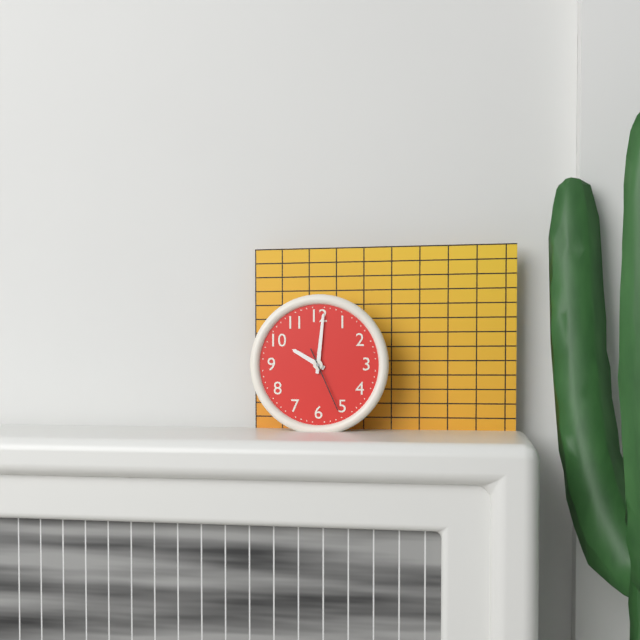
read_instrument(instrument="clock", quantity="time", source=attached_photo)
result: 10:01:26
